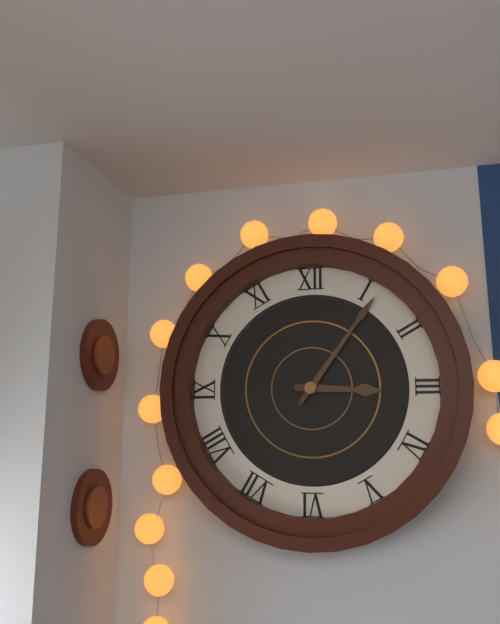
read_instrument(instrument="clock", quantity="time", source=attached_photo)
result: 3:06
